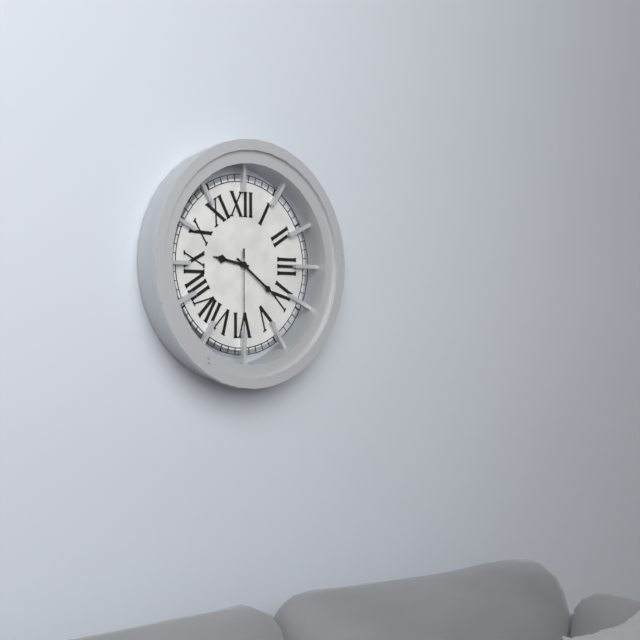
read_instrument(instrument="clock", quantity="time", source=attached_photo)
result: 9:21:30
